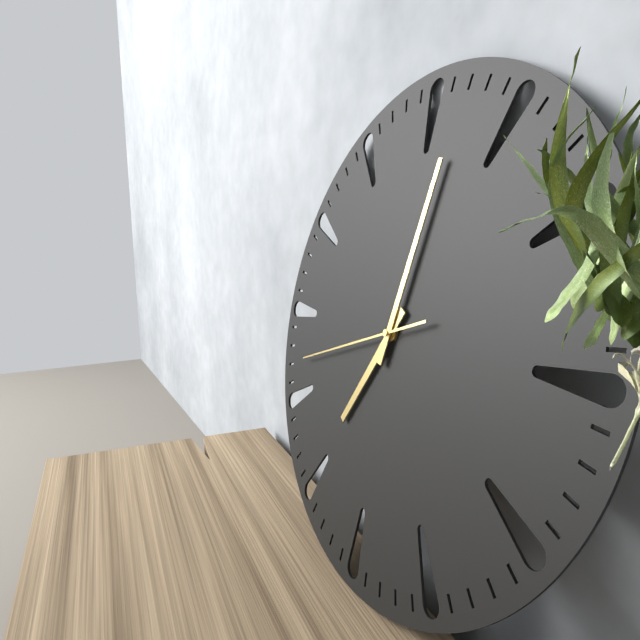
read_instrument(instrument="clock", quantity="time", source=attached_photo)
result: 7:02:42
